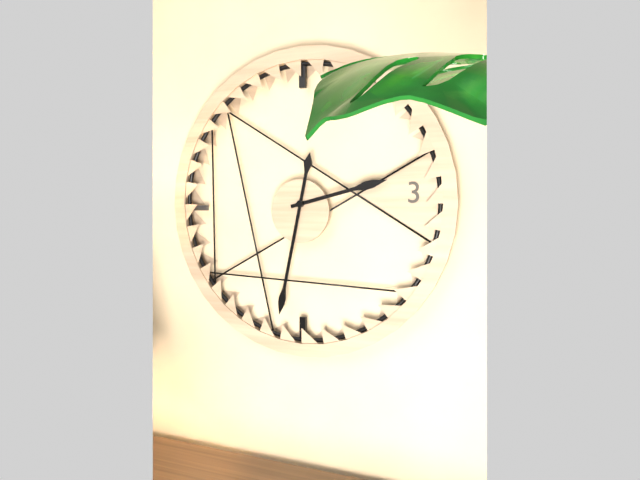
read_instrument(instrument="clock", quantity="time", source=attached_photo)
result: 2:32
